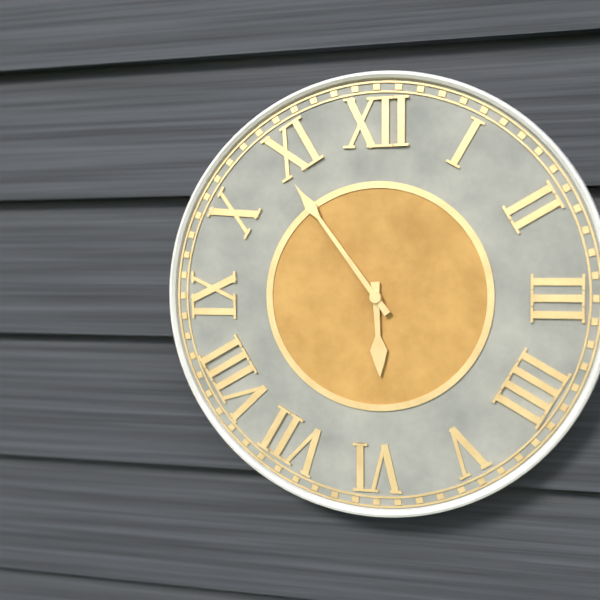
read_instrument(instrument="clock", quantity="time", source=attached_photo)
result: 5:54
